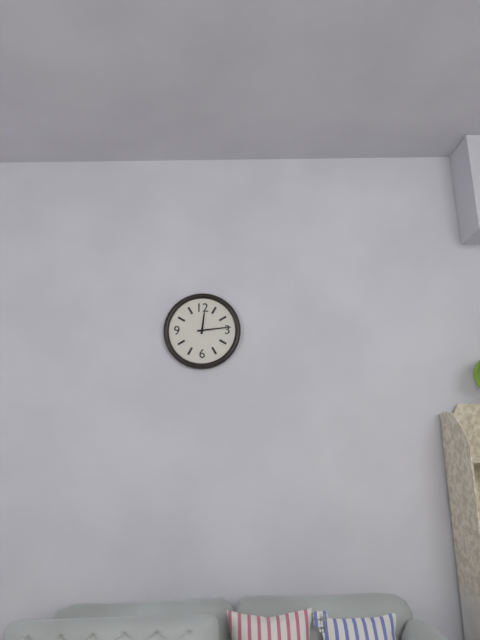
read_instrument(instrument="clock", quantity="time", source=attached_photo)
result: 12:14
